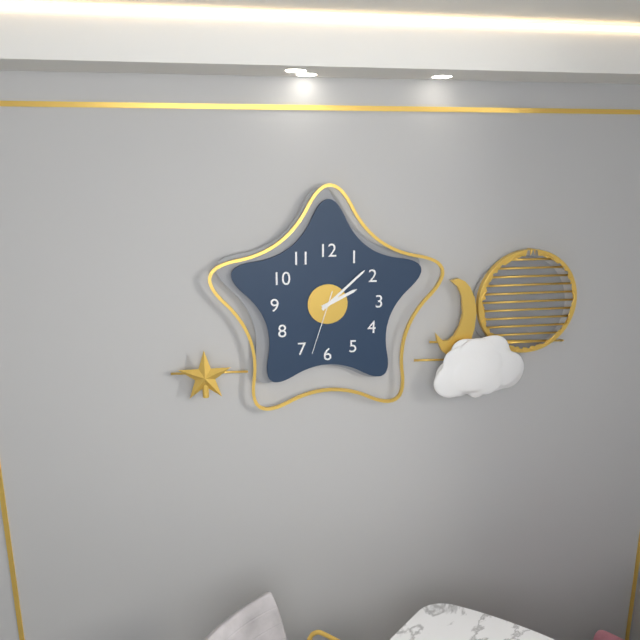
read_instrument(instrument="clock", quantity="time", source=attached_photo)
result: 2:08:33
